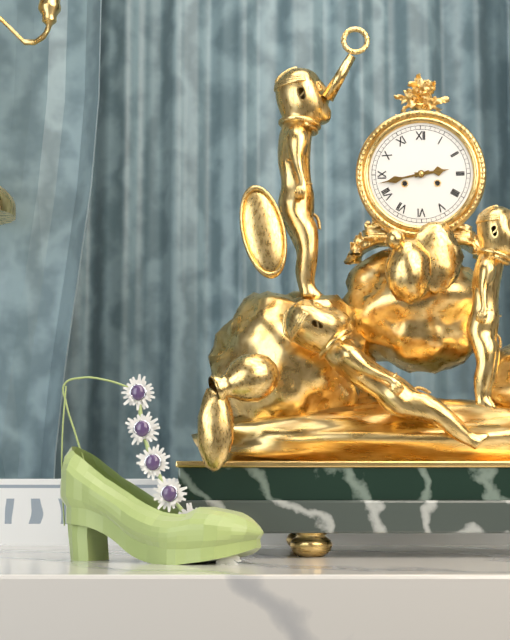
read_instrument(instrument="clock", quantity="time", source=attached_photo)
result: 2:43
